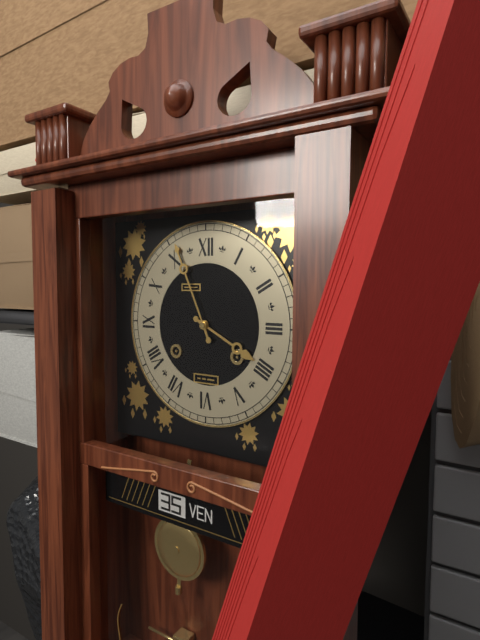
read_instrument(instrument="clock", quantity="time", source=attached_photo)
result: 3:56
